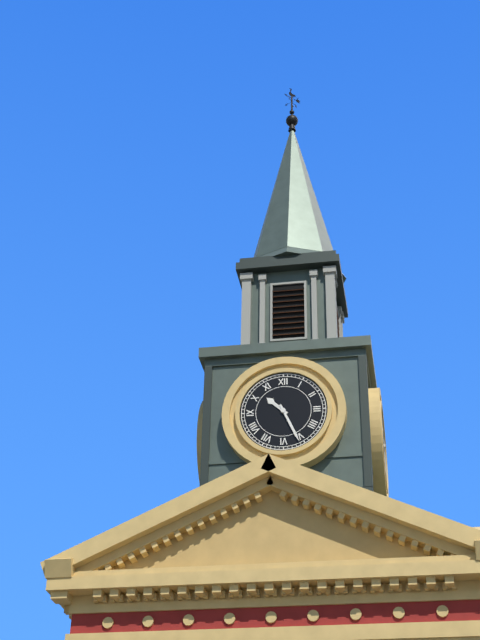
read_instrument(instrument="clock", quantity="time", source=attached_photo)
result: 10:26
